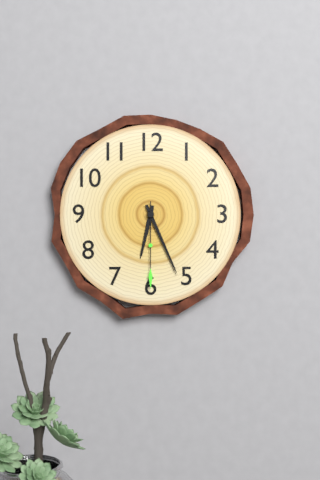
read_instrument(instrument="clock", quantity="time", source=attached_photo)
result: 6:26:30
